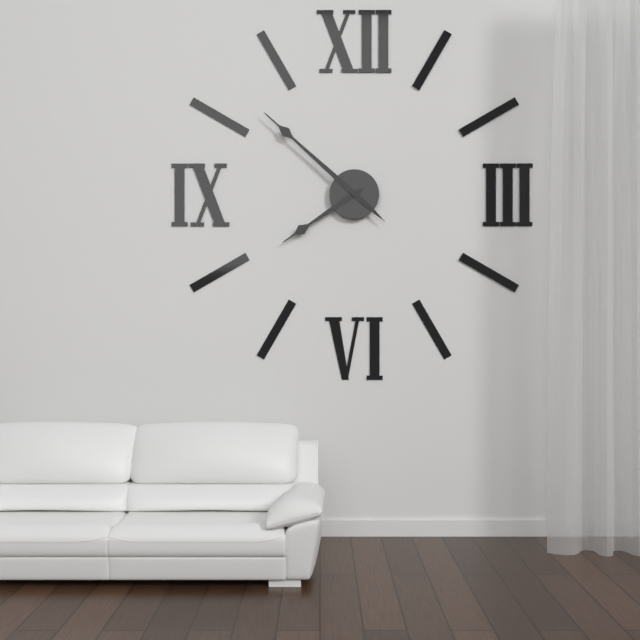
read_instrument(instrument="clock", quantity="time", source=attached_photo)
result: 7:52
